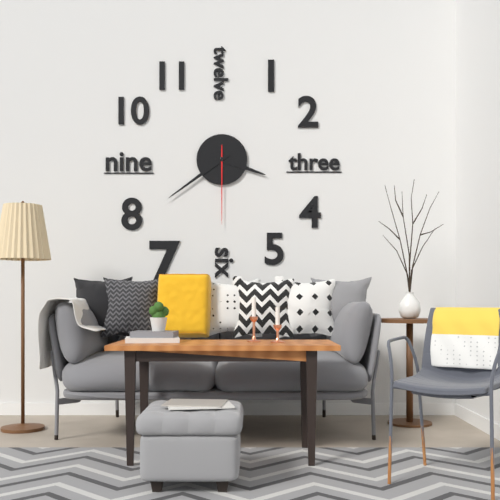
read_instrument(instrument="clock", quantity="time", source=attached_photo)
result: 3:39:30
